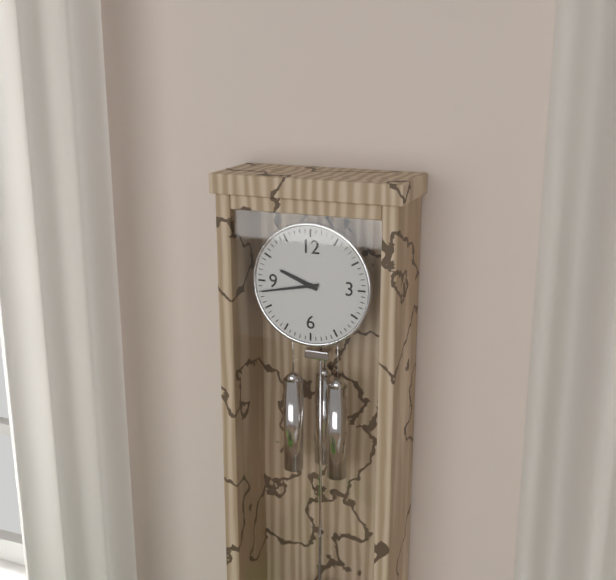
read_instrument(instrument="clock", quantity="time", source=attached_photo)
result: 9:43
